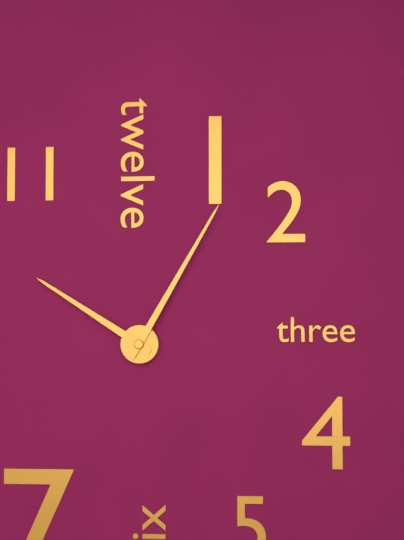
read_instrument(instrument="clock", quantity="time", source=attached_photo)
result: 10:05
